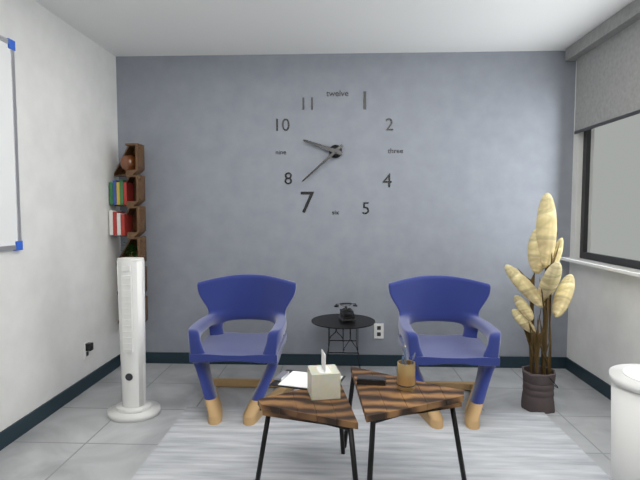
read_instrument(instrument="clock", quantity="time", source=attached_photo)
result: 9:38
